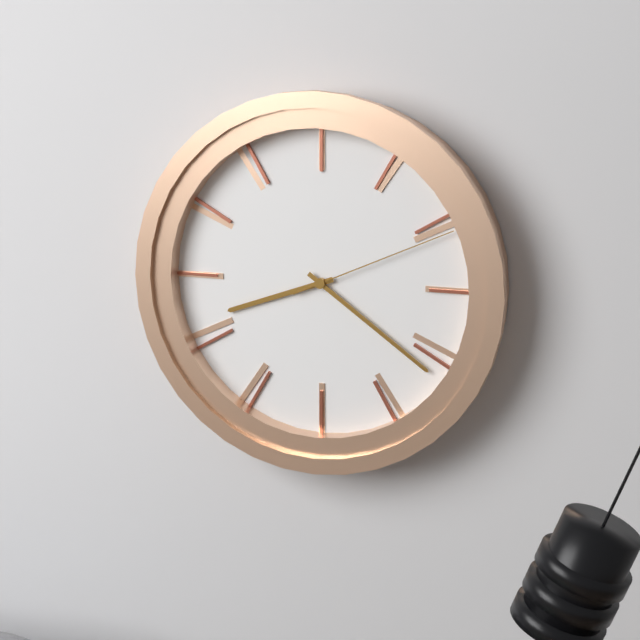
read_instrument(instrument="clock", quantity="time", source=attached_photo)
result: 8:21:11
